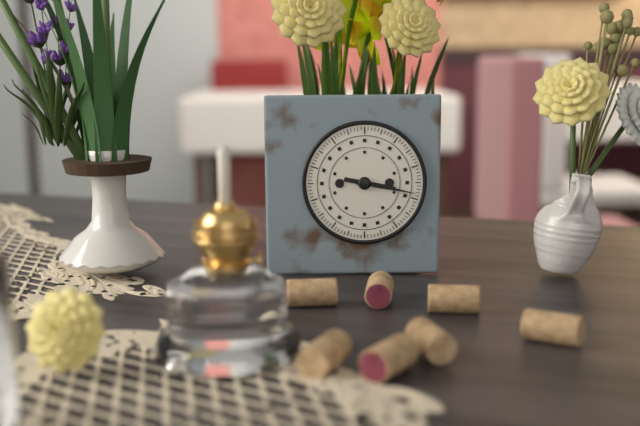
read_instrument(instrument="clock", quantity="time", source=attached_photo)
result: 3:17
